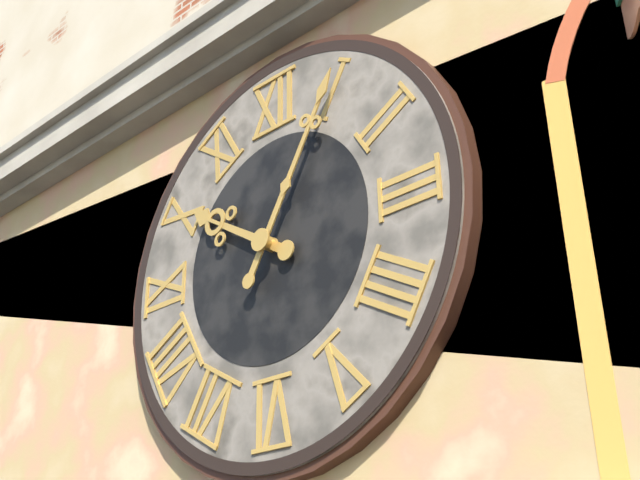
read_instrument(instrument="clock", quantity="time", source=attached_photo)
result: 10:05
